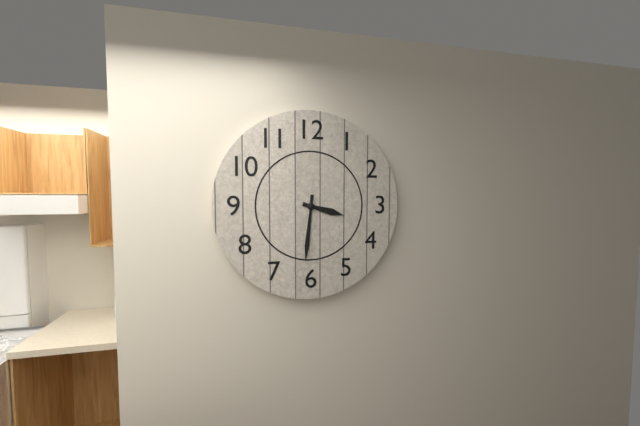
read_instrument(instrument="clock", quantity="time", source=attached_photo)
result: 3:31
